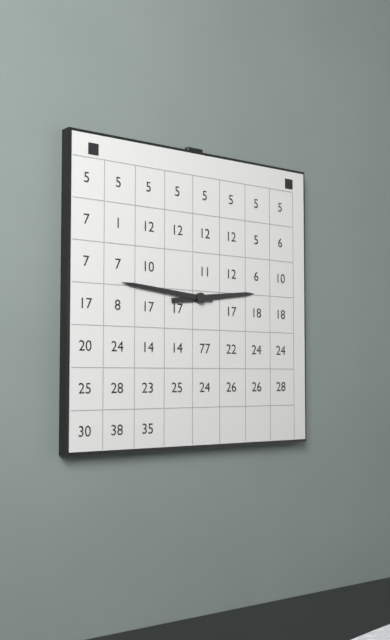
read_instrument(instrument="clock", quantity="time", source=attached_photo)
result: 2:46
